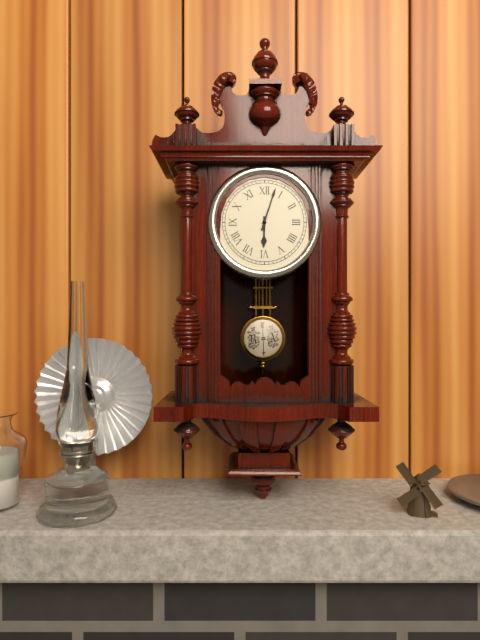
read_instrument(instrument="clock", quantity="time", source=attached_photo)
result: 6:03
